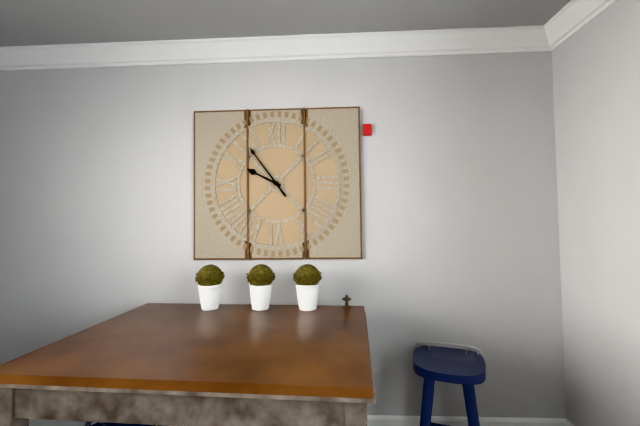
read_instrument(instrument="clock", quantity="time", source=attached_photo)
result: 9:54
